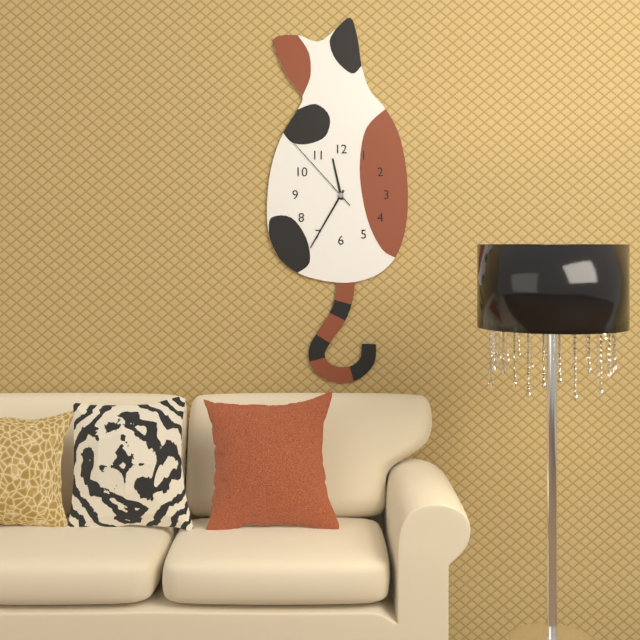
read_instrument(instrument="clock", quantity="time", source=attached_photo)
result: 11:35:53
